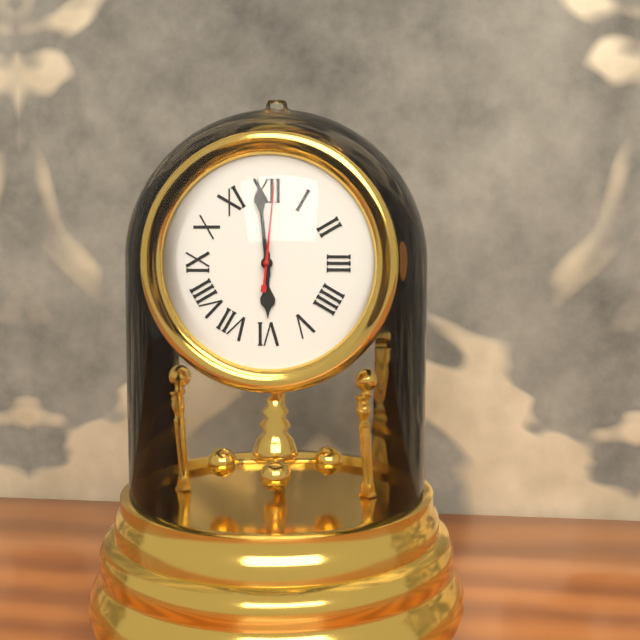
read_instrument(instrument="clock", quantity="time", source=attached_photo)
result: 5:59:01
